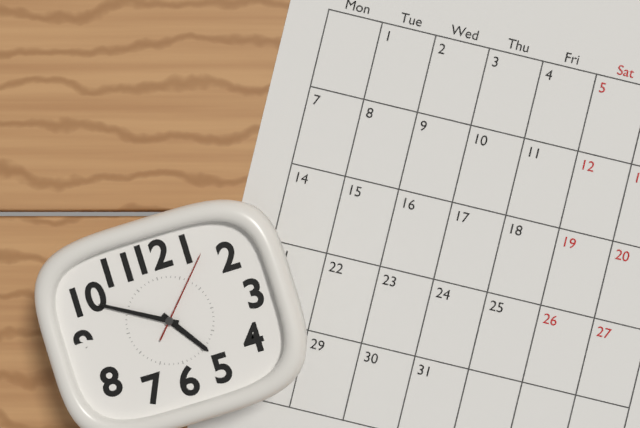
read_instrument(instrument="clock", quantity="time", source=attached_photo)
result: 4:50:07
